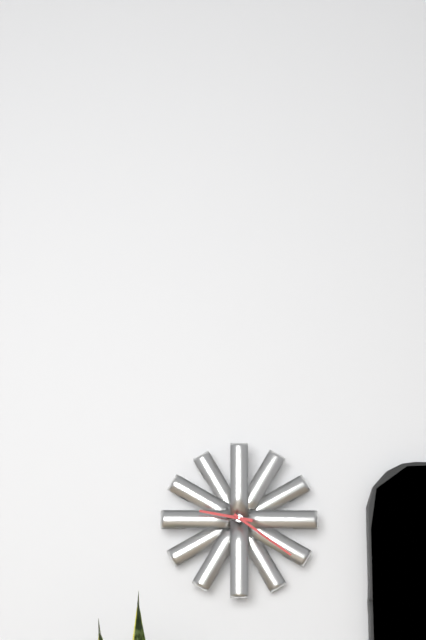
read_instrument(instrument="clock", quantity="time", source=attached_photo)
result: 9:21
